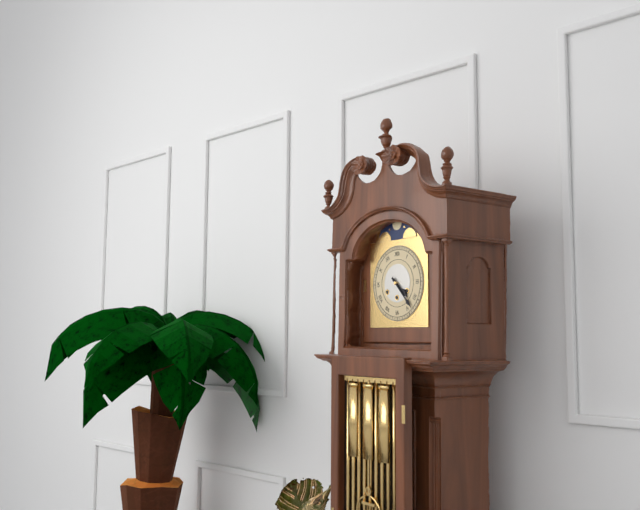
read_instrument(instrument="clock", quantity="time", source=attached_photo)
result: 4:23
